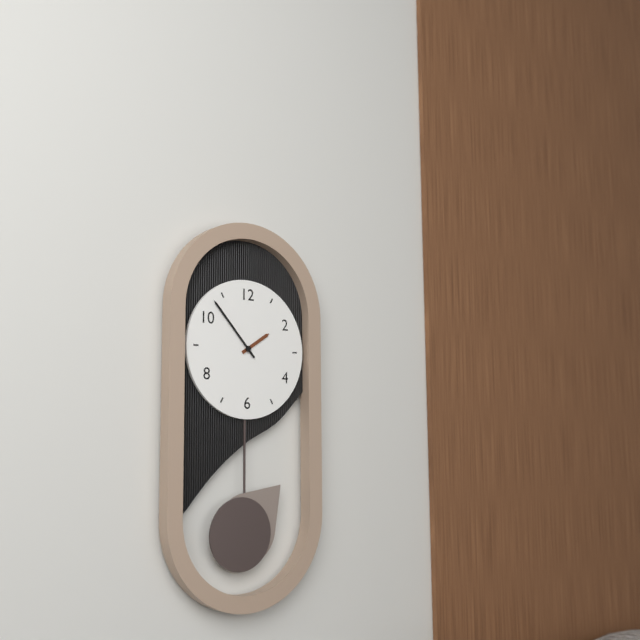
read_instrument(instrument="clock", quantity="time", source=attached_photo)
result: 1:53
